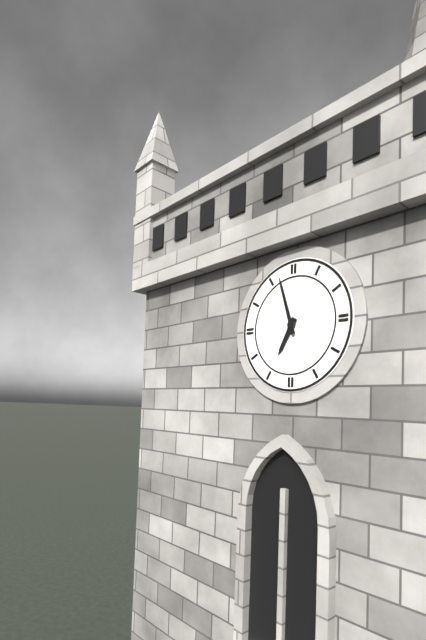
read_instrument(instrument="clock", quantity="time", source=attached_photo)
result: 6:57
